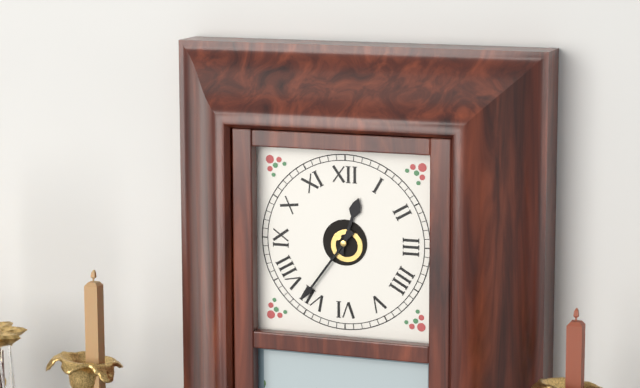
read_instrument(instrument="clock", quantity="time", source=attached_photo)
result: 12:36
